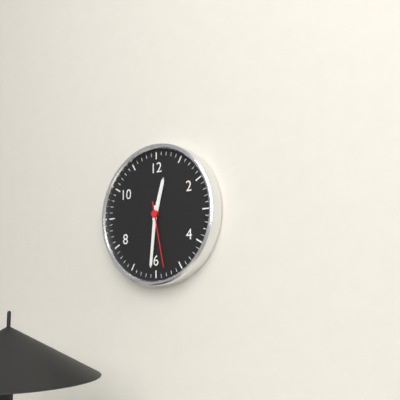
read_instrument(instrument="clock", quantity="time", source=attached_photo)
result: 12:31:28
